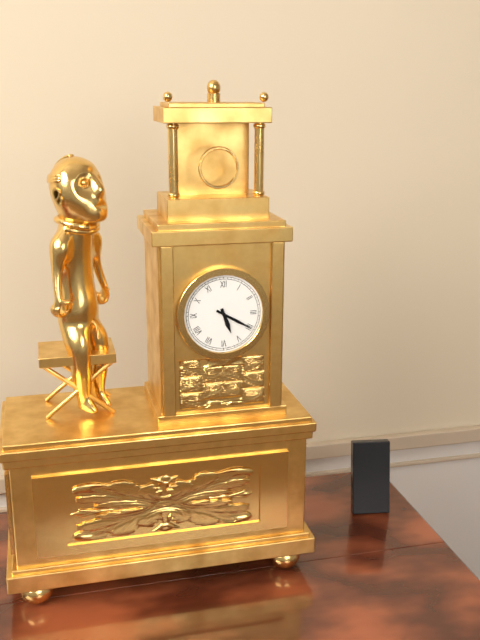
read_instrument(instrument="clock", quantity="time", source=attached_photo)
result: 5:20
